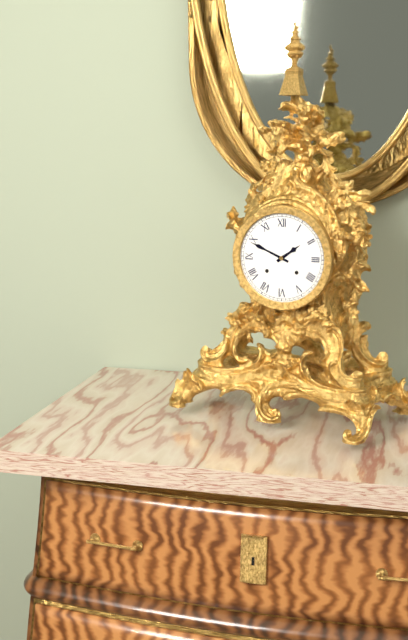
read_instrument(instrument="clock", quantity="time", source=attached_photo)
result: 1:49
